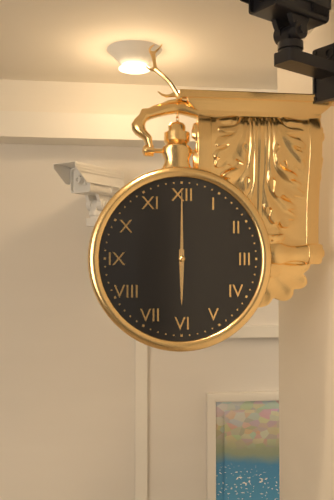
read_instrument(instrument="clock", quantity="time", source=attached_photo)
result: 6:00
